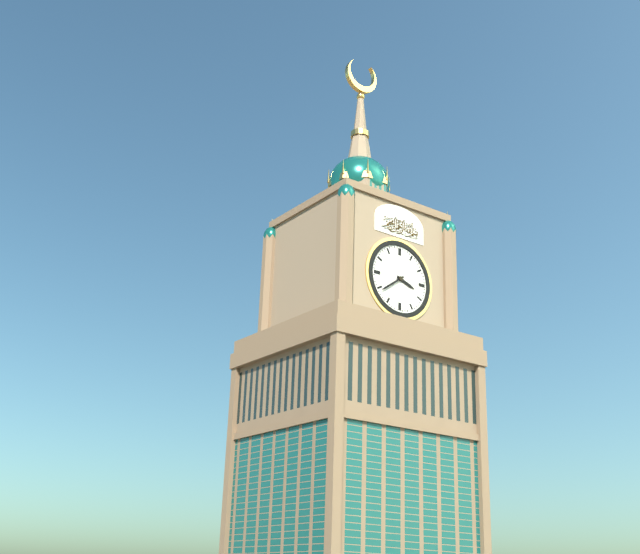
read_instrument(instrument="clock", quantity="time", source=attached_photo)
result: 3:39
